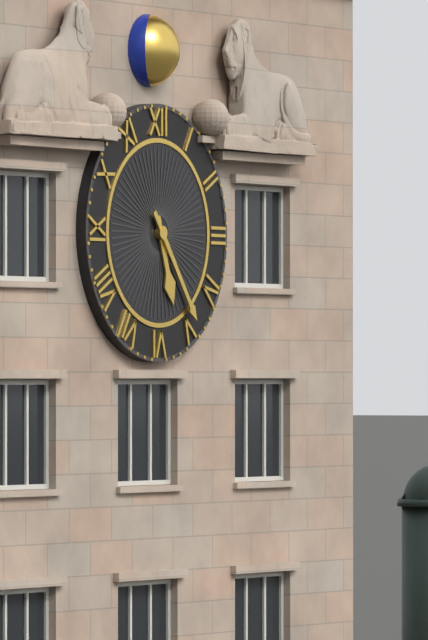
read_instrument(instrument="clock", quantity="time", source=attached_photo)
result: 5:24
